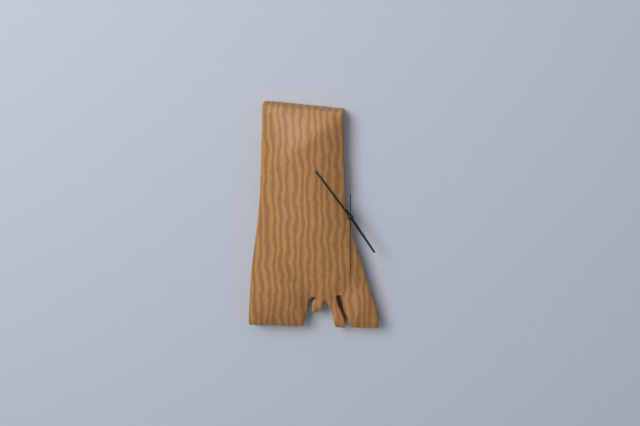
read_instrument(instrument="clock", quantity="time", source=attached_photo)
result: 4:54:30
